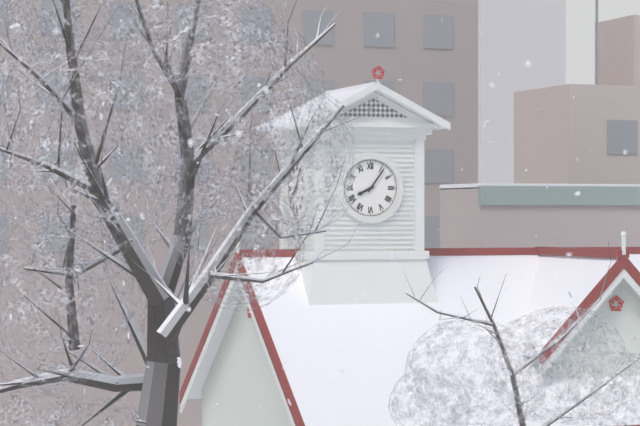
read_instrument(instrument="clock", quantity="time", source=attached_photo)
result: 8:06
